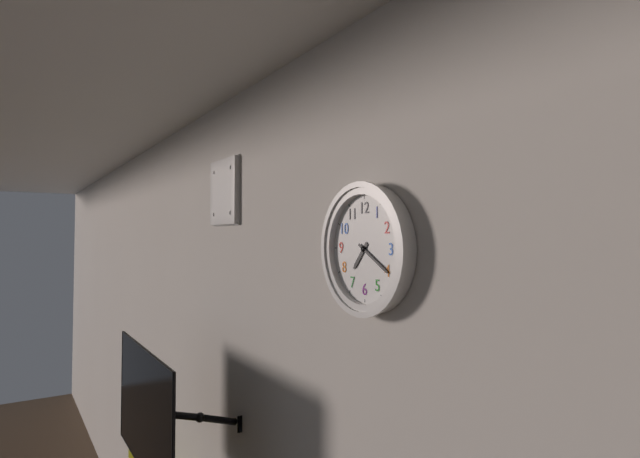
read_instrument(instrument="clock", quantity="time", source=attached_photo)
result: 7:20
